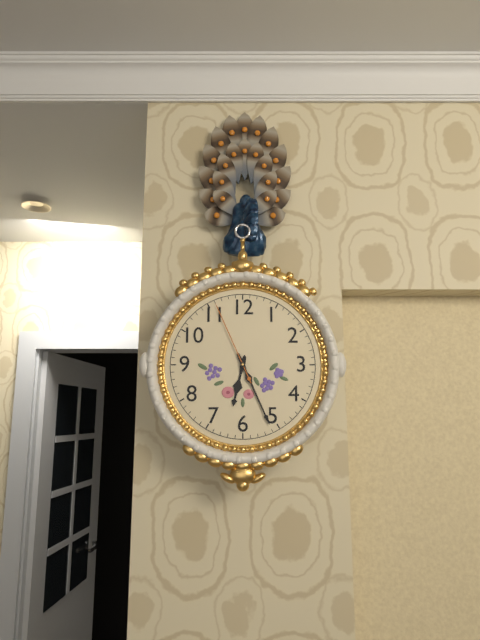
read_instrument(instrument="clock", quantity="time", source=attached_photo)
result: 6:26:56
